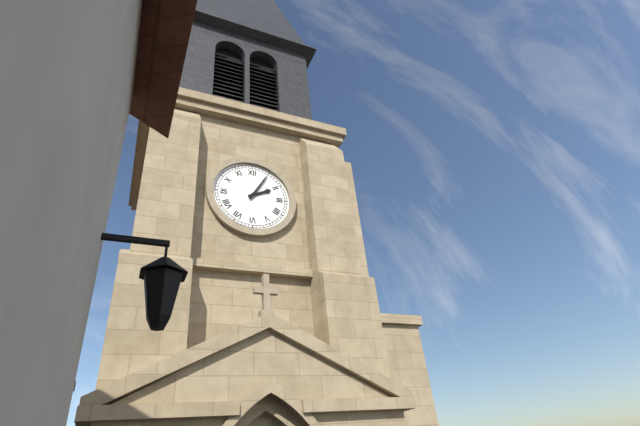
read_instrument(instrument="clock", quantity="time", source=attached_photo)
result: 2:05
